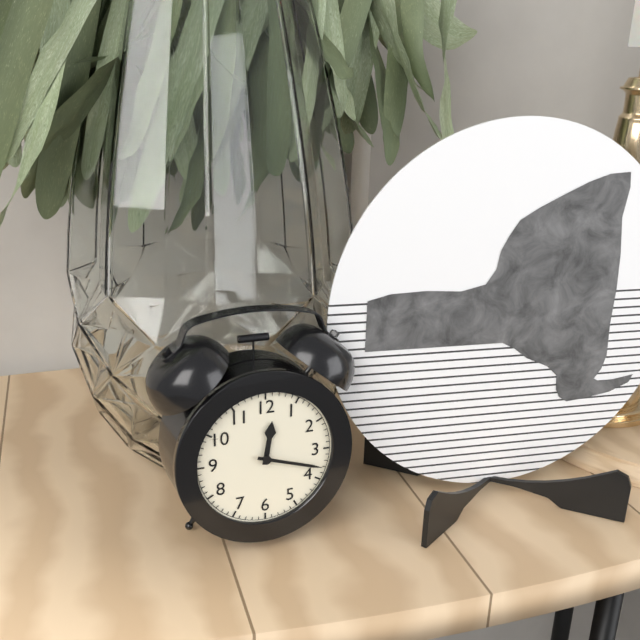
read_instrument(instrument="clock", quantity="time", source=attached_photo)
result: 12:18
